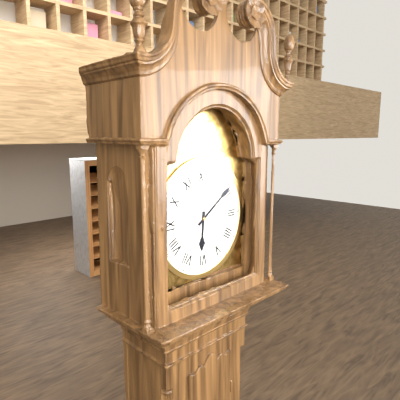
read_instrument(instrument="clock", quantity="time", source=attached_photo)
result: 6:09
